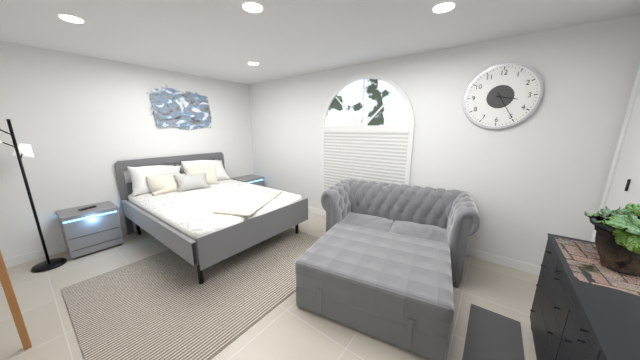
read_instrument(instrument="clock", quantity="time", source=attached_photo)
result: 3:25
